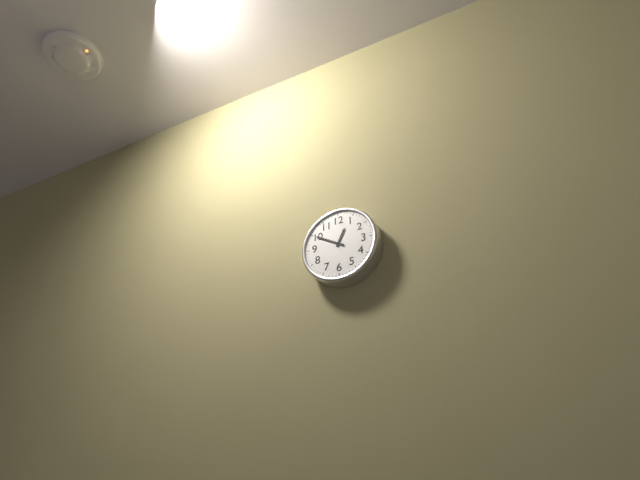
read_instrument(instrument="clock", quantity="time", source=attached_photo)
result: 12:50
